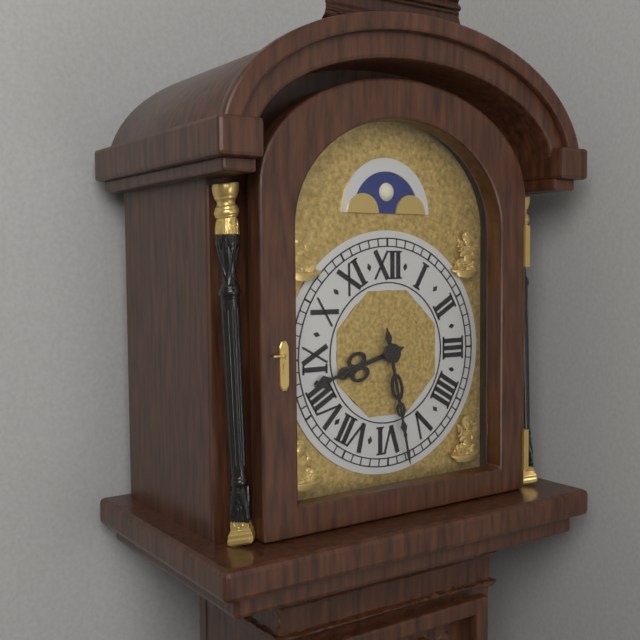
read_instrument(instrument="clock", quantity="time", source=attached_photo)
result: 8:28
